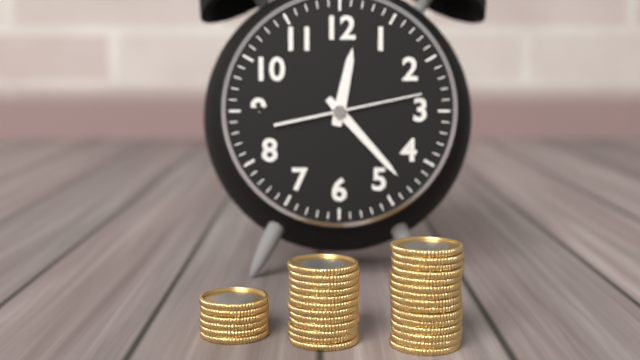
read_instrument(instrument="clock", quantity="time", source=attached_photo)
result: 12:23:13
